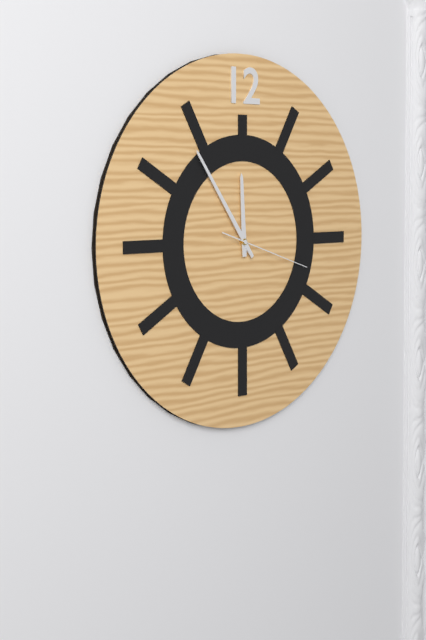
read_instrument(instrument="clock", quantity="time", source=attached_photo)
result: 11:54:18
